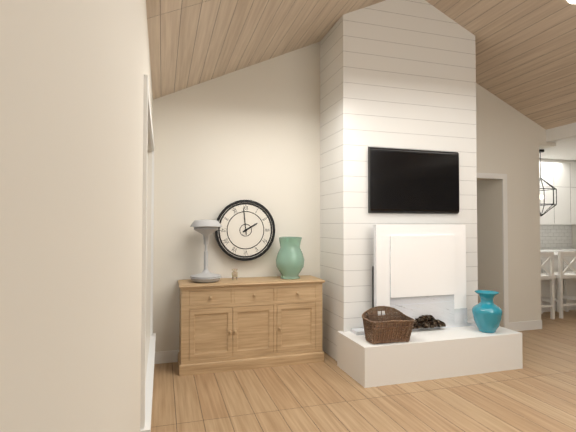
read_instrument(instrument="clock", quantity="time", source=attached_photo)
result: 1:59
